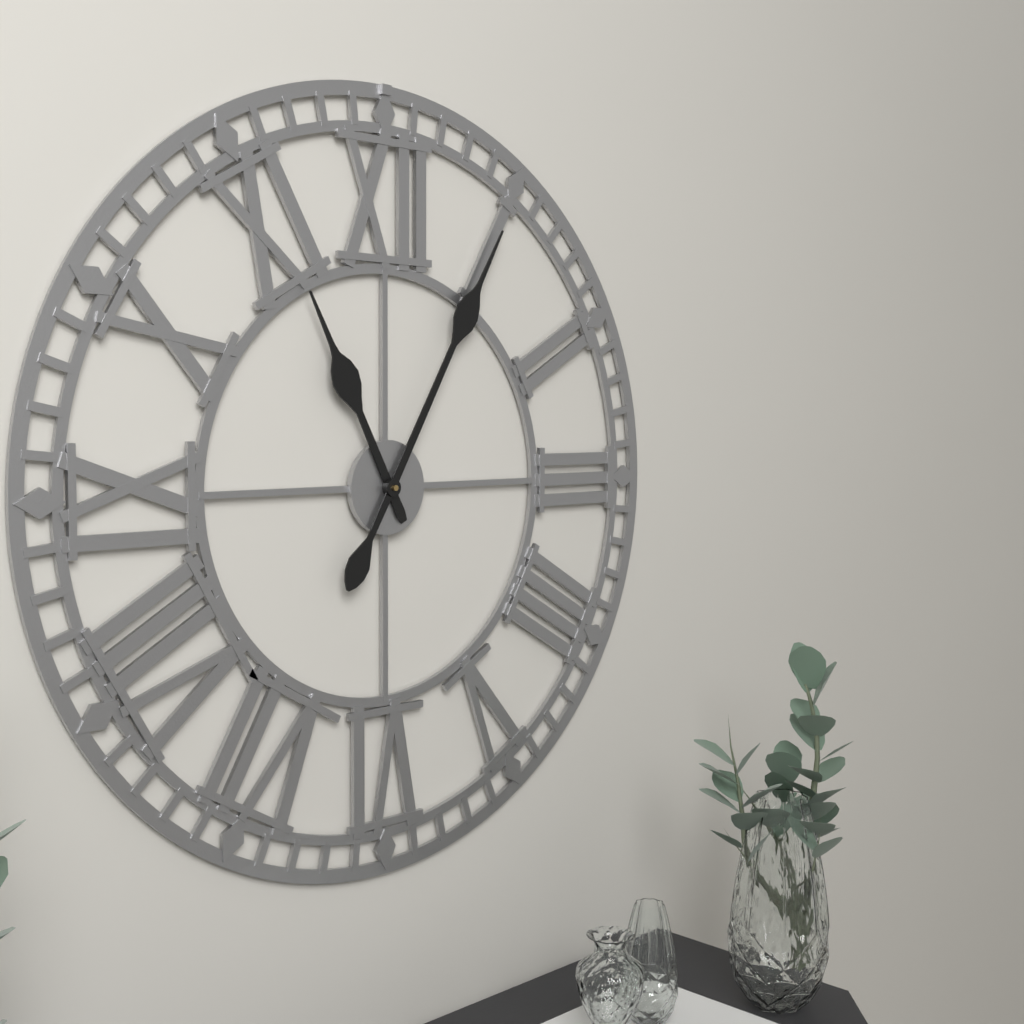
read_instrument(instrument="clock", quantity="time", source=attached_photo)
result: 11:05
